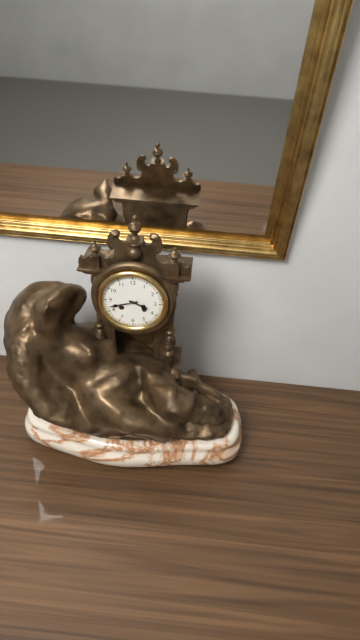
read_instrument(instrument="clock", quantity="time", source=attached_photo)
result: 3:42
